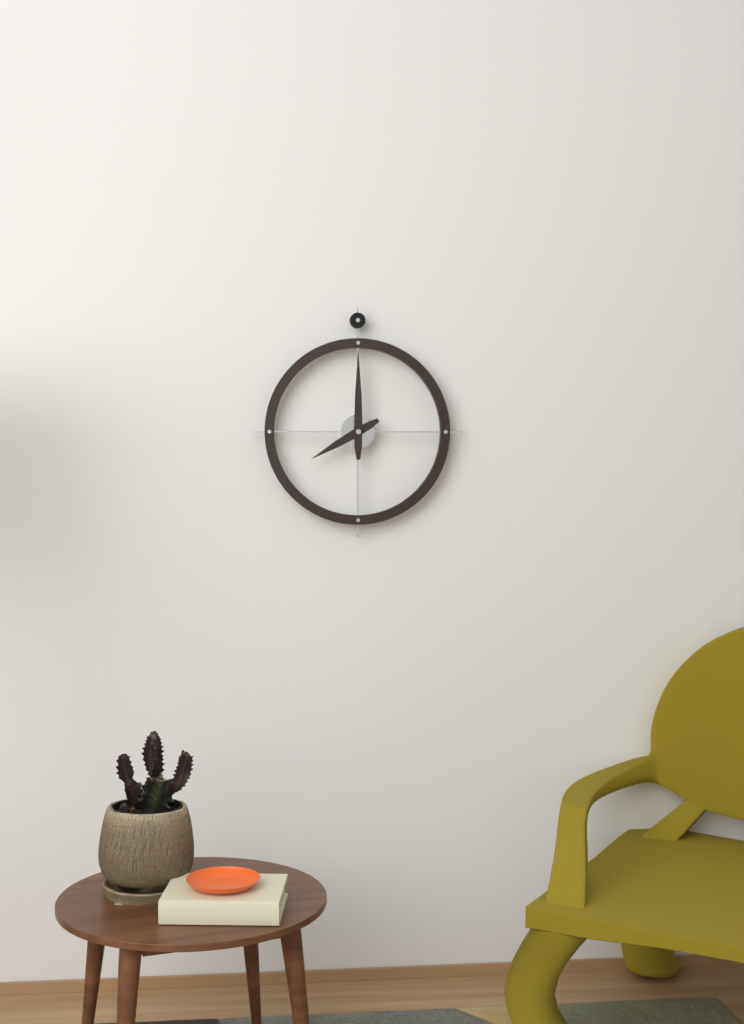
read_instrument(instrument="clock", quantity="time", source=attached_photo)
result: 8:00
